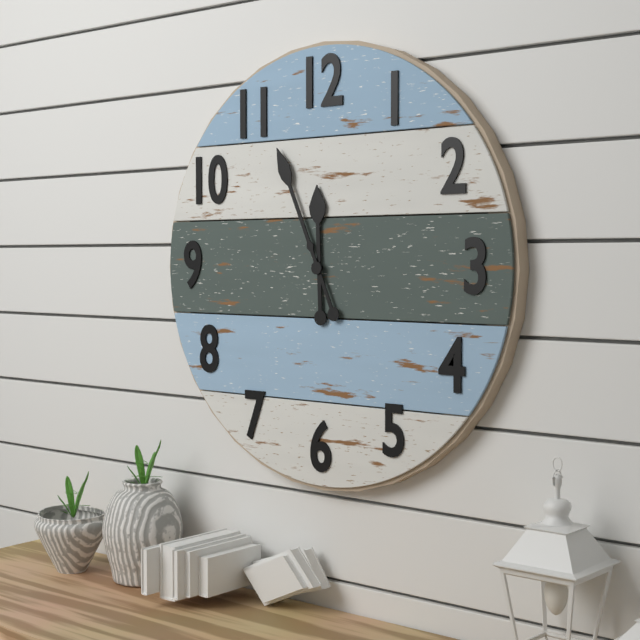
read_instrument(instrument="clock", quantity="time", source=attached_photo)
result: 11:56
